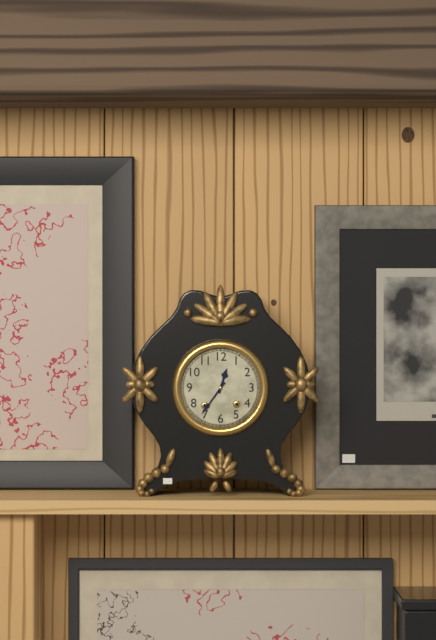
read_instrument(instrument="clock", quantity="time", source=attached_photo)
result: 12:36
